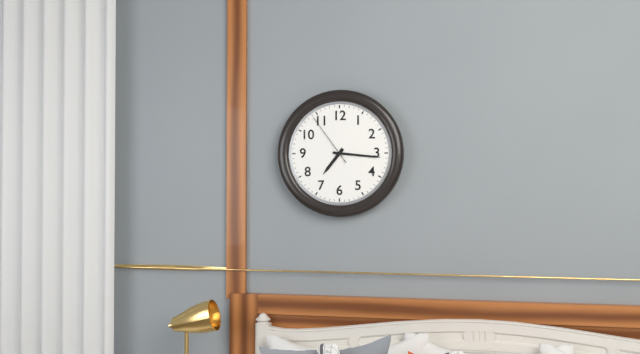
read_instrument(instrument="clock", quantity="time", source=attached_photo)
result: 7:16:54
